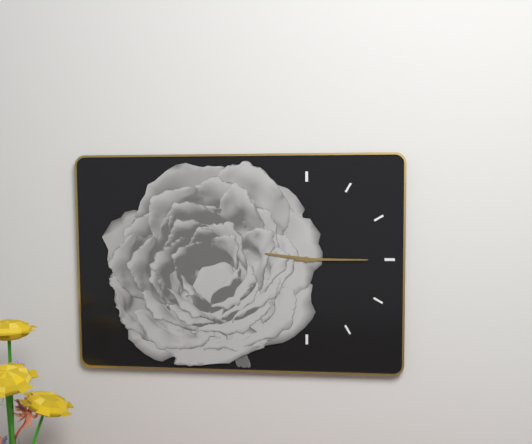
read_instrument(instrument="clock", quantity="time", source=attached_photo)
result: 9:15
